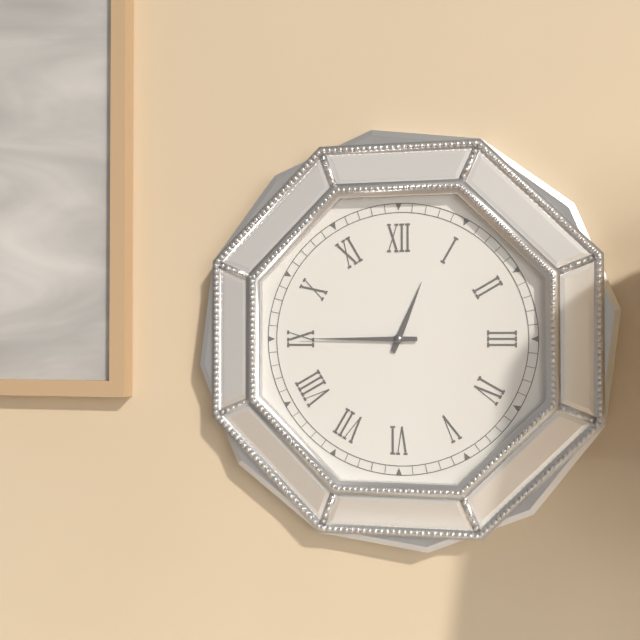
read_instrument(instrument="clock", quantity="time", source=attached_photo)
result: 12:45
